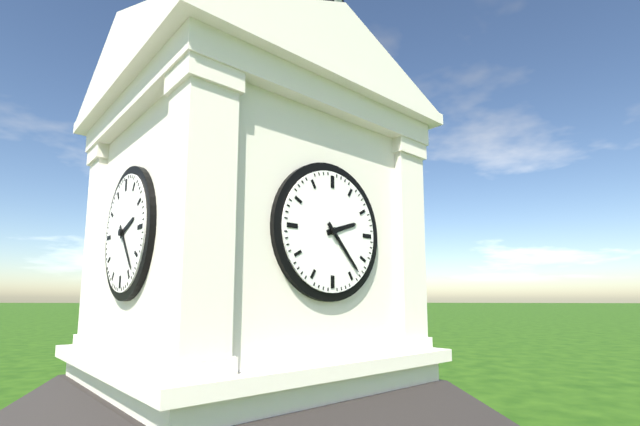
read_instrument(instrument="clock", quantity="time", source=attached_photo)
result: 2:23
